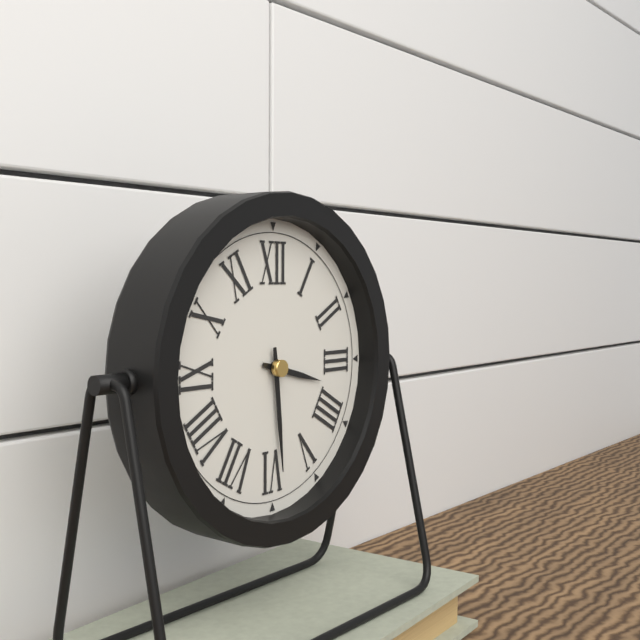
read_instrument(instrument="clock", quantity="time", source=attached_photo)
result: 3:29
